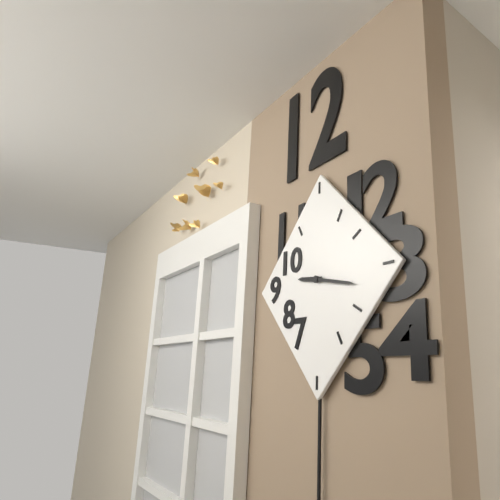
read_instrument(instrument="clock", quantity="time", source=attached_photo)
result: 9:17
